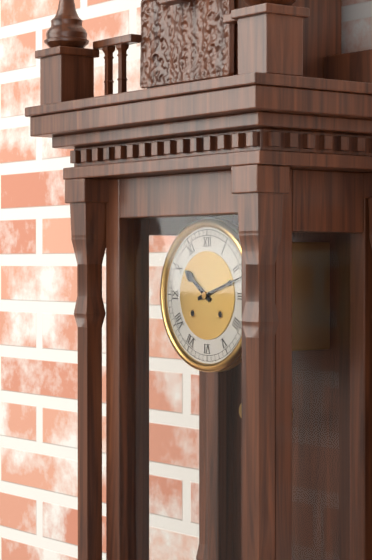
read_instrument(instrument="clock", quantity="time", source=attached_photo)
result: 10:12
